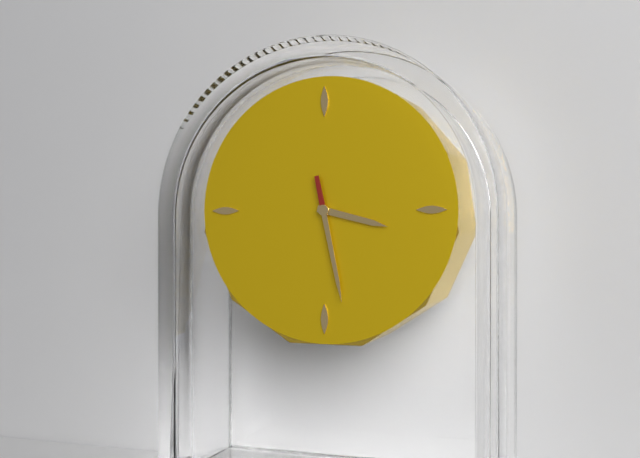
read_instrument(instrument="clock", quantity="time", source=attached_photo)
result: 3:28
